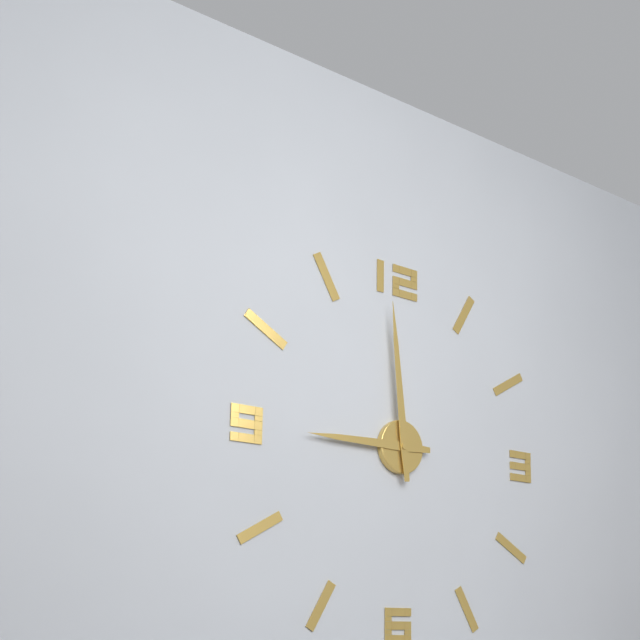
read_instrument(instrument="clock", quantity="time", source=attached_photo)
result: 8:59
